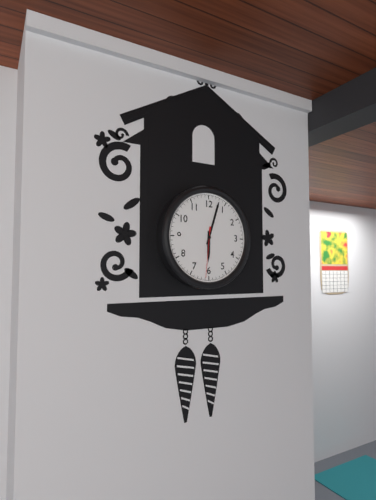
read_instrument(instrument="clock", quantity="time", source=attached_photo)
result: 6:03:31
